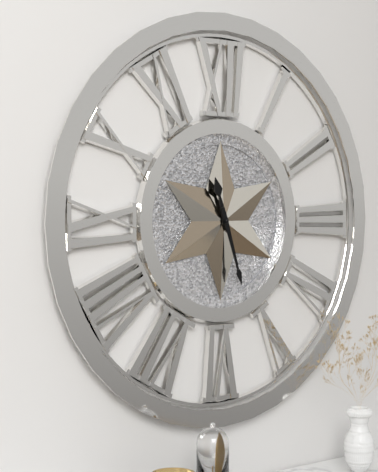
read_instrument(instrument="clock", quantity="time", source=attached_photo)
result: 11:27
